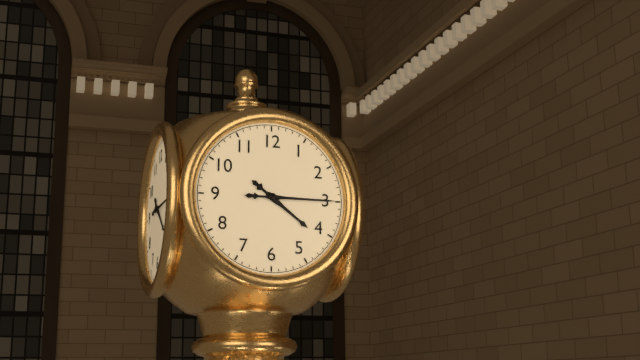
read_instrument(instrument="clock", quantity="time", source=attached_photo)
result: 4:15
